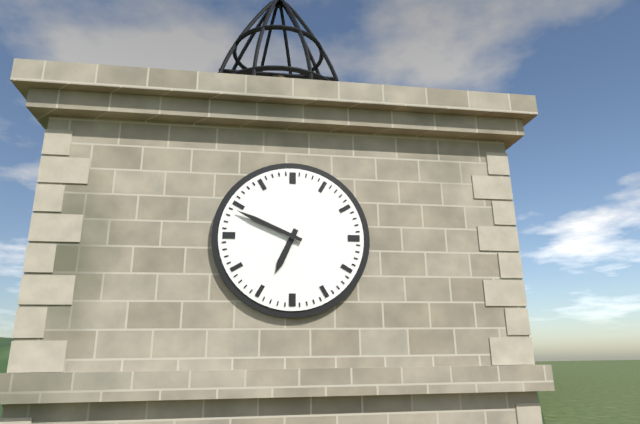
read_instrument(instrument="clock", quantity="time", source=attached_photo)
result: 6:49
